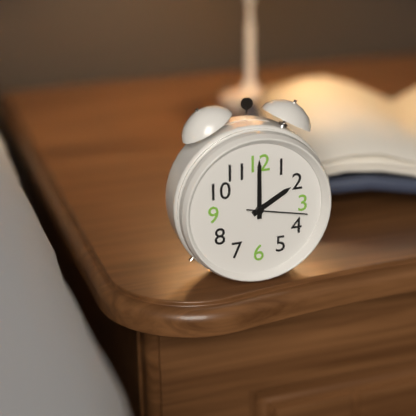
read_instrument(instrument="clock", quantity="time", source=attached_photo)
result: 2:00:17
